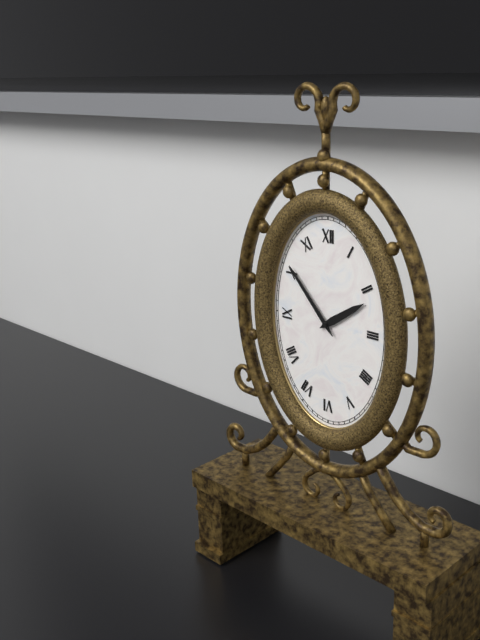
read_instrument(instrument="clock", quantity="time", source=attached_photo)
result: 1:53
